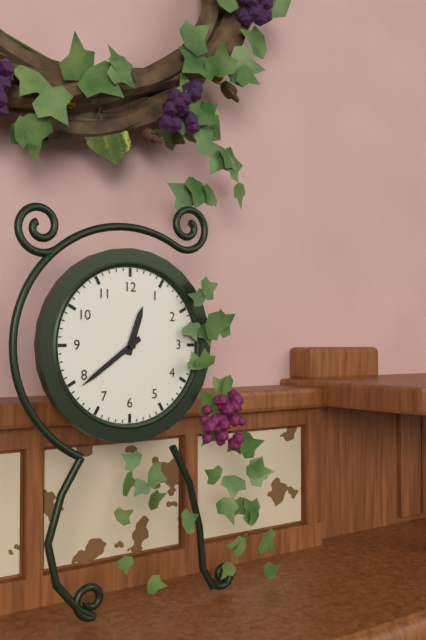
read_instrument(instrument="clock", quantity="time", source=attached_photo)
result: 12:39
